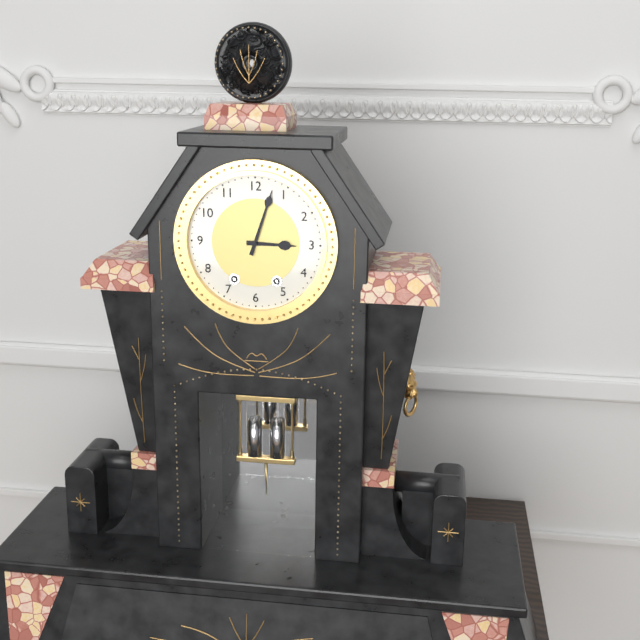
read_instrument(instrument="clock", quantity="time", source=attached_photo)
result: 3:03
